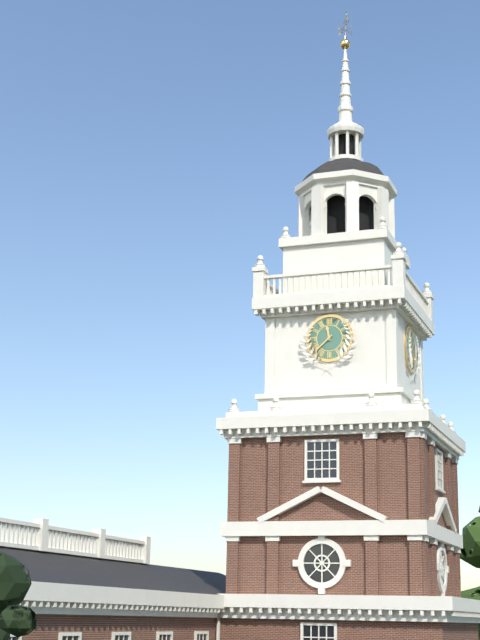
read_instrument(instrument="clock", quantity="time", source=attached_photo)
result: 11:38
